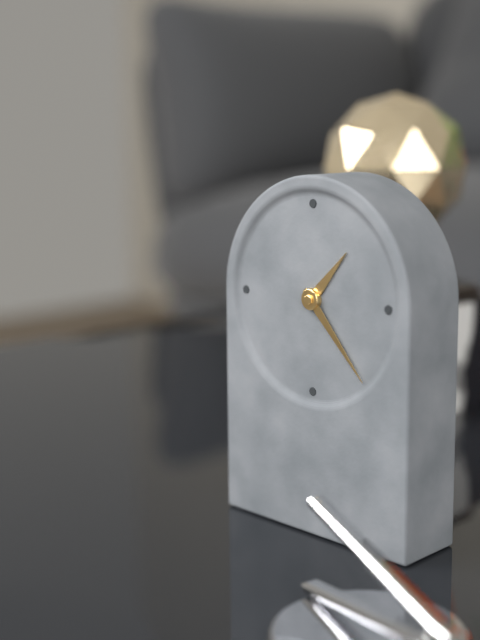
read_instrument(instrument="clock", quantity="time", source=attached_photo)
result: 1:23
